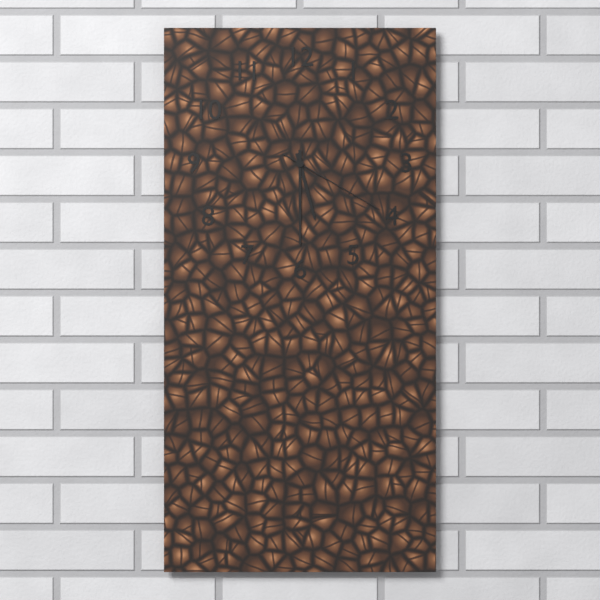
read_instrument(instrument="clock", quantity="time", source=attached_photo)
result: 5:30:20
